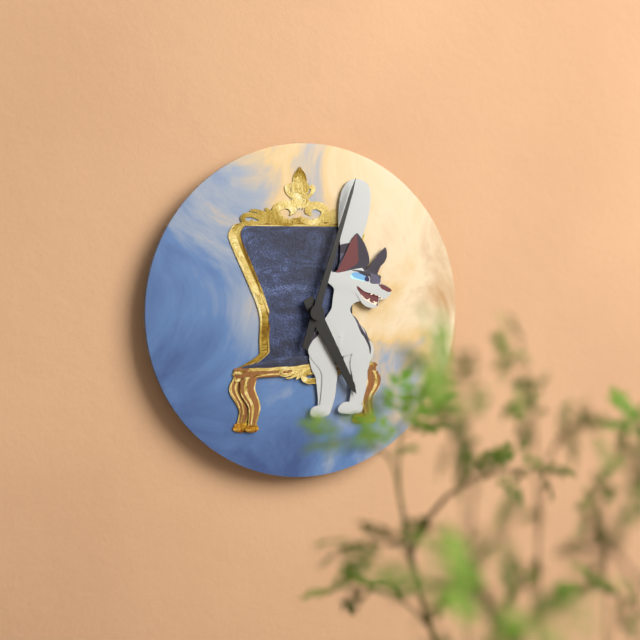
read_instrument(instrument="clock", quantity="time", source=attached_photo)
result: 5:03
